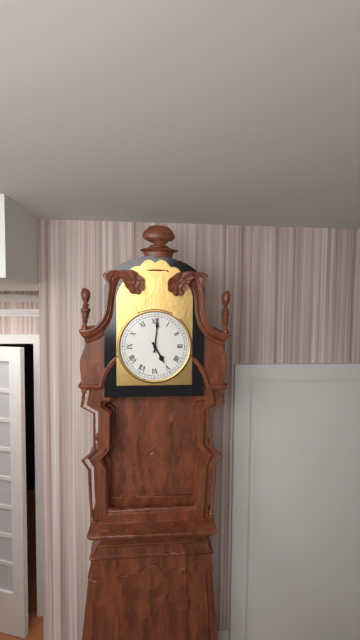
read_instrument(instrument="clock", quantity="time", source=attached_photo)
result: 5:01
